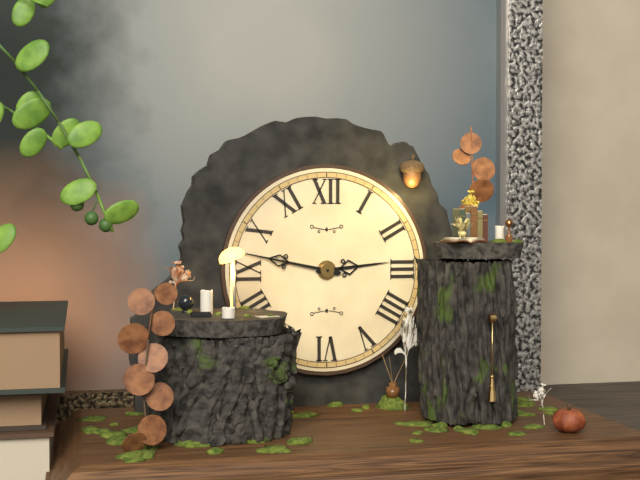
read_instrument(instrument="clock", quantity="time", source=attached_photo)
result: 2:47
